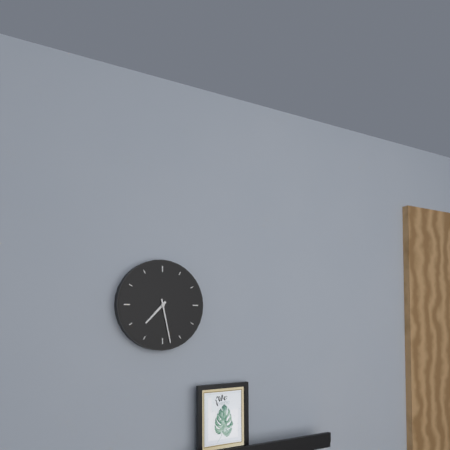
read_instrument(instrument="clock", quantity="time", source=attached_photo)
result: 7:28
